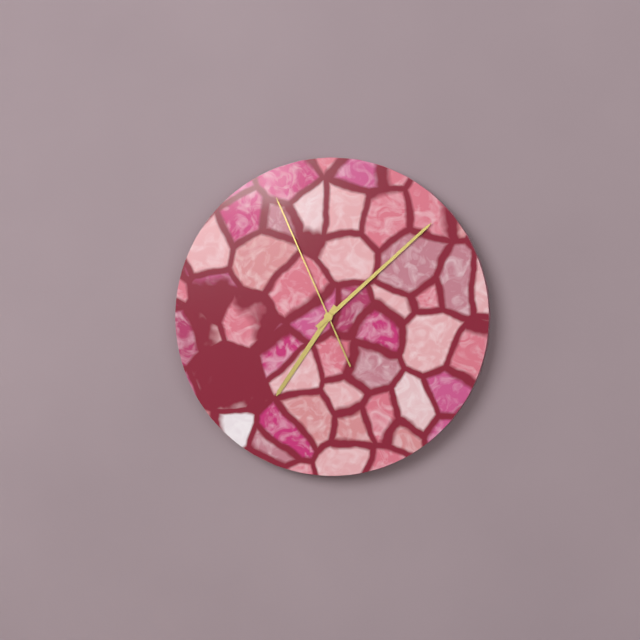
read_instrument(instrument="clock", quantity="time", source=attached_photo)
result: 7:08:56
